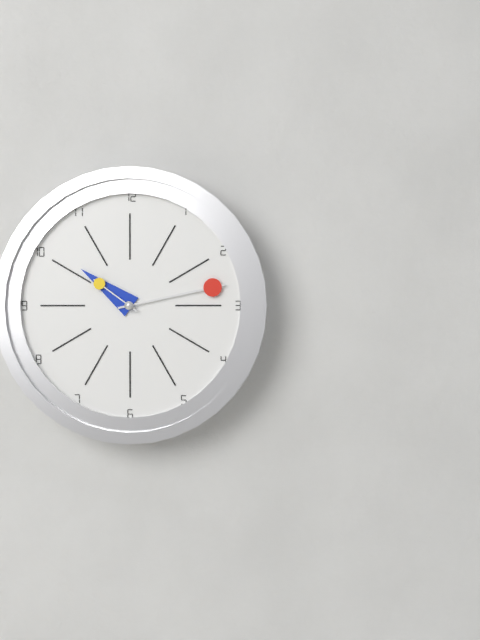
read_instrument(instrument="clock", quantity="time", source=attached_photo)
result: 10:13:51
